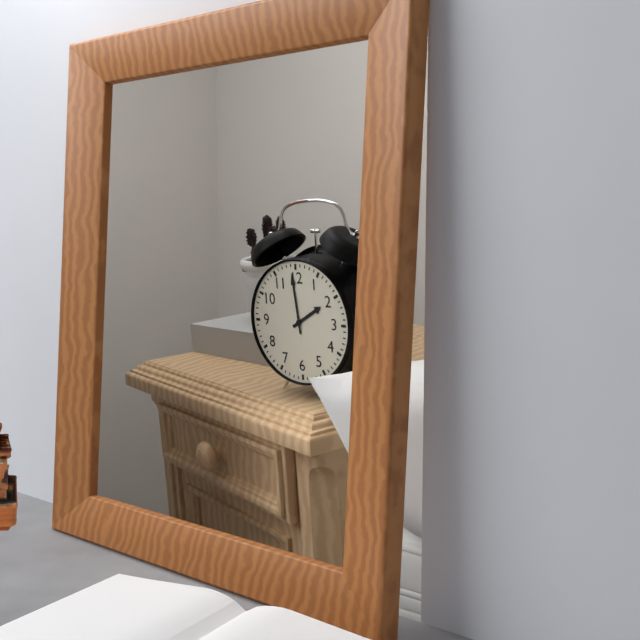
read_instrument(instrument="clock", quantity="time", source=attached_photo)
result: 1:59
